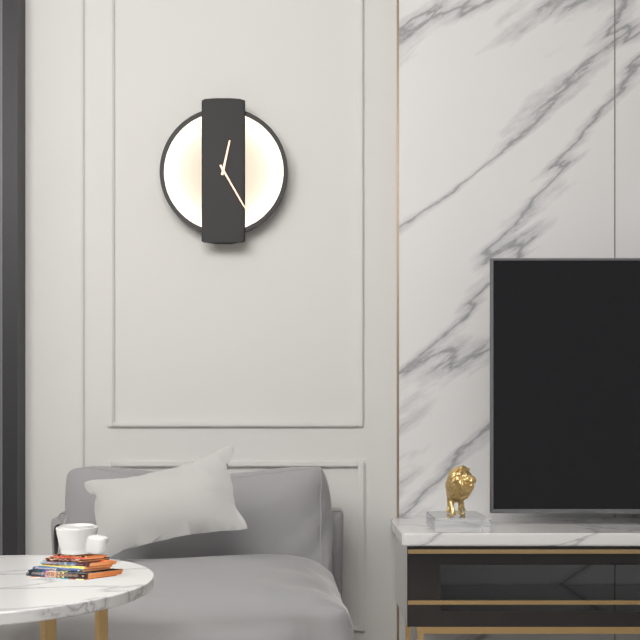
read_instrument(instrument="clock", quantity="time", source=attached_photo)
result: 12:25
